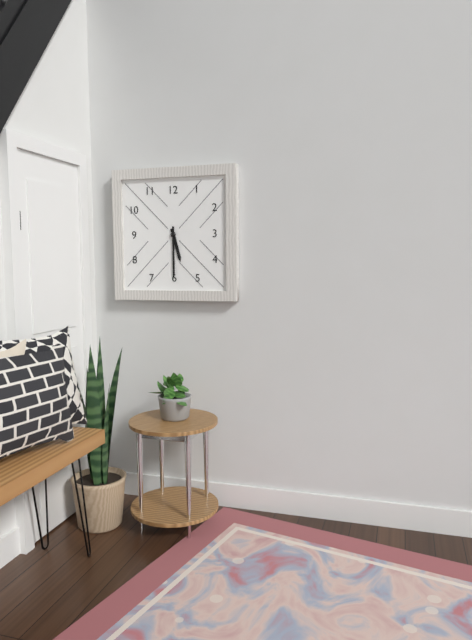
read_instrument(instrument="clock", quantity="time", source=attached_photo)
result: 5:30
